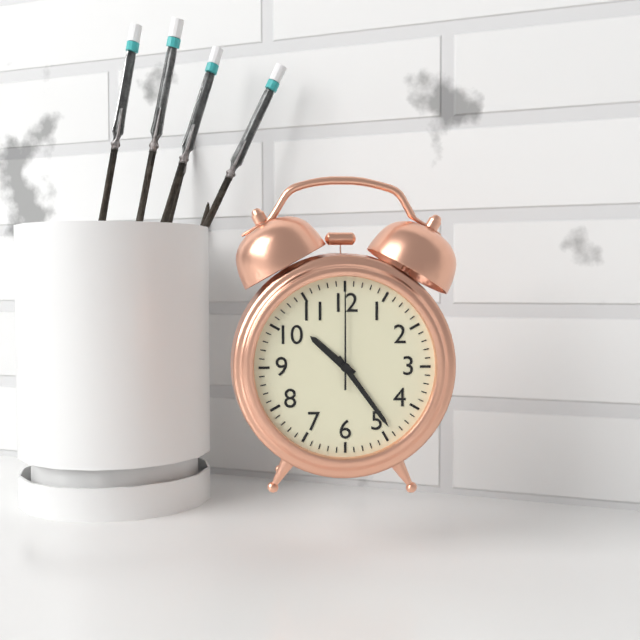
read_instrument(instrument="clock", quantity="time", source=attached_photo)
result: 10:24:00
